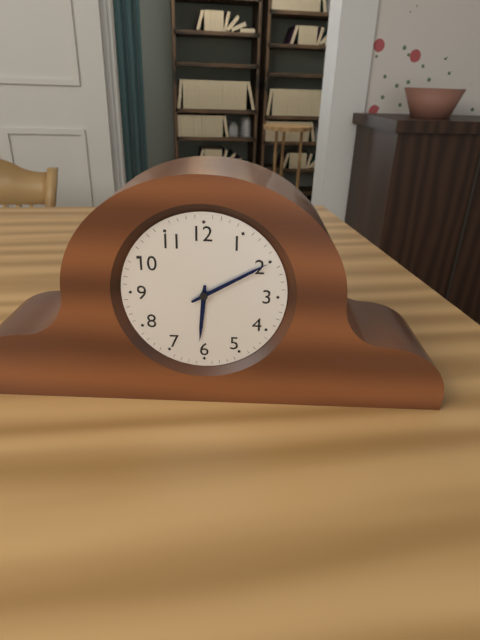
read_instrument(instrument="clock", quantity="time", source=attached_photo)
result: 6:10
